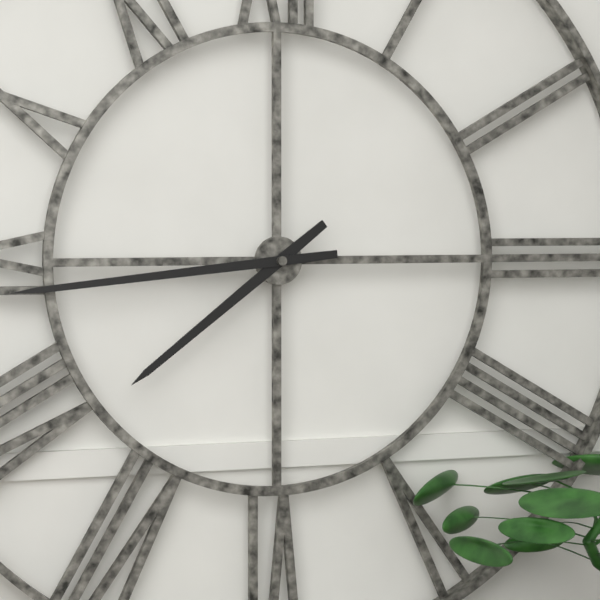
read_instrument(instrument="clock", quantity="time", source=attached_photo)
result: 7:44
